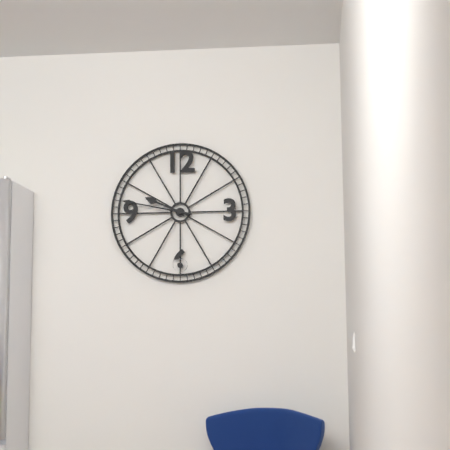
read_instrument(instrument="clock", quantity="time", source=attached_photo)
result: 9:47
